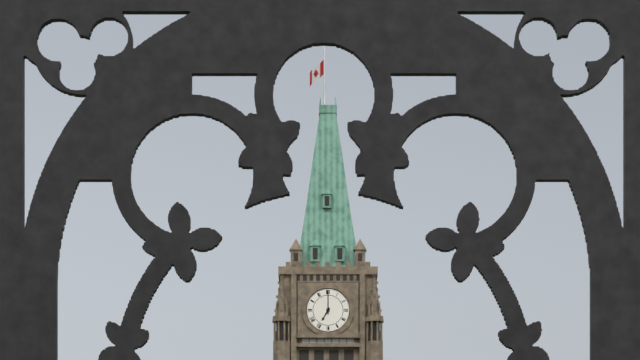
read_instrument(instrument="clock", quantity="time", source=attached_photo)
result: 7:00
